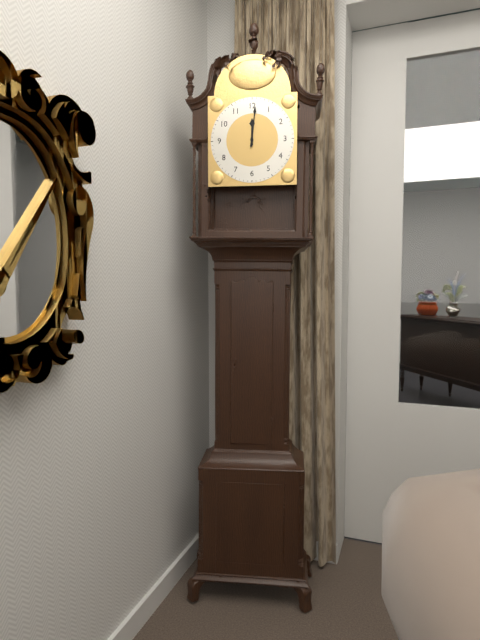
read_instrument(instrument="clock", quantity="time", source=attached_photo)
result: 12:01
